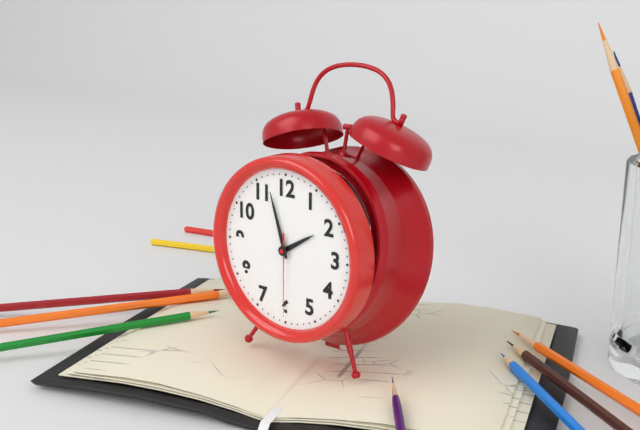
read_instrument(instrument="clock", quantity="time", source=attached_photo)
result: 1:57:30
